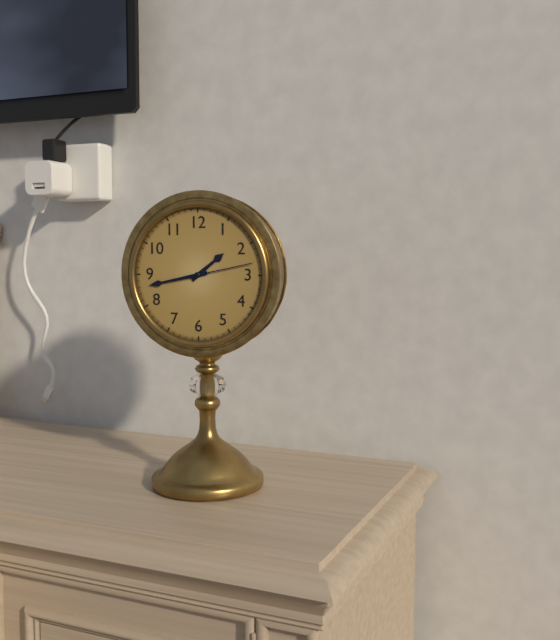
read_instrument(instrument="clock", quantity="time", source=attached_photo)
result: 1:43:13
